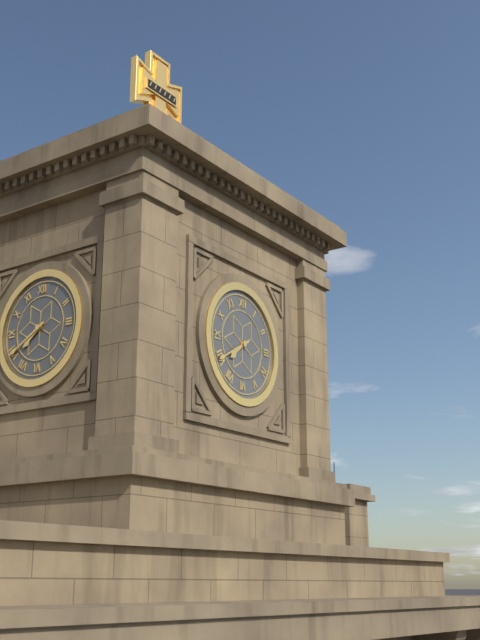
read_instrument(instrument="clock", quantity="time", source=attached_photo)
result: 7:40
